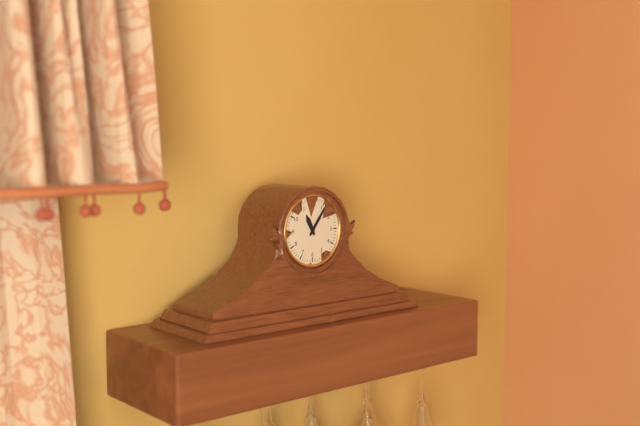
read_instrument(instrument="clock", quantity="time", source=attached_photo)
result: 11:06
